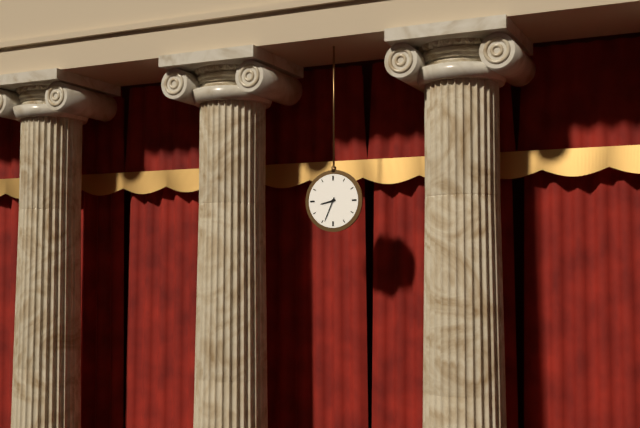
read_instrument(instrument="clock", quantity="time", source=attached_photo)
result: 8:34
